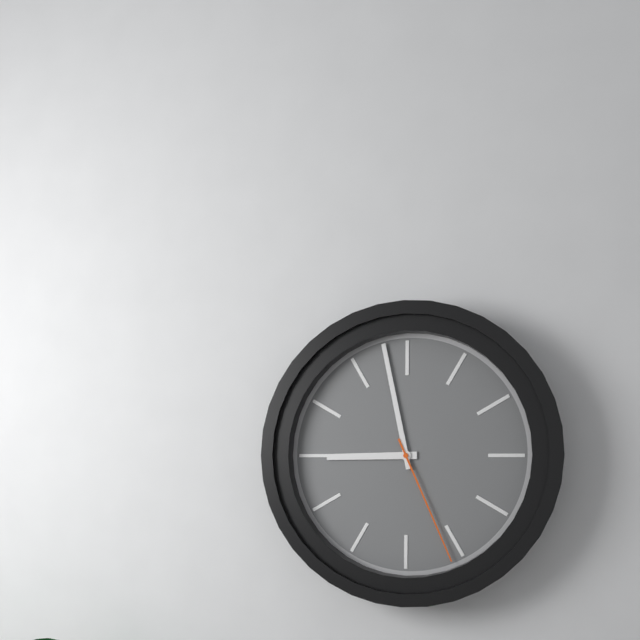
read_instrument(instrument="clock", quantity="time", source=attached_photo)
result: 8:58:26
